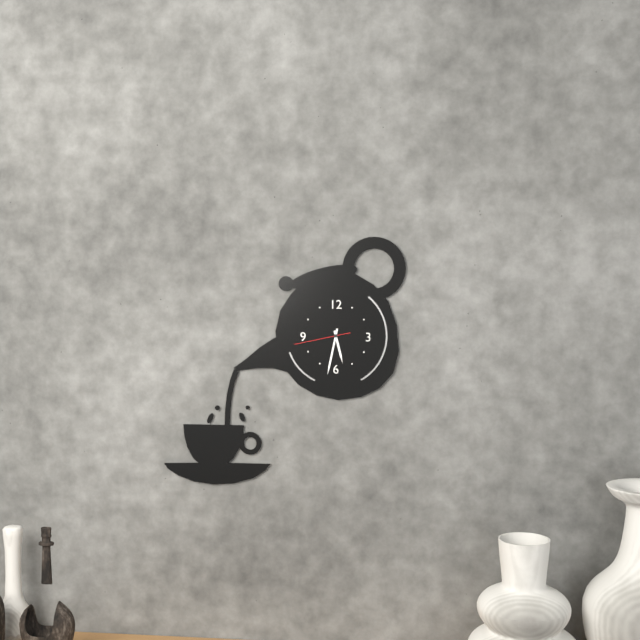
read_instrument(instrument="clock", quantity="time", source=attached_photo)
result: 5:32:43
